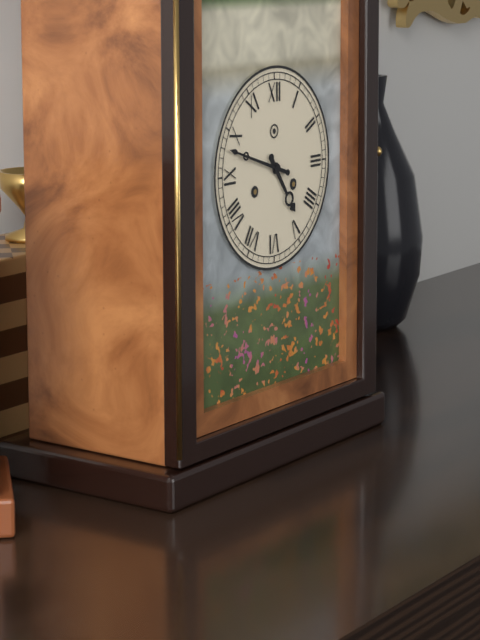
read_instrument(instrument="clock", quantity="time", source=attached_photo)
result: 4:48
